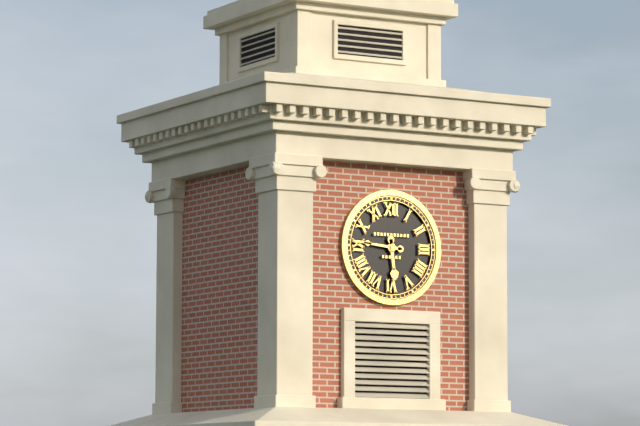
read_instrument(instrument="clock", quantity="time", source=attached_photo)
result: 5:46
